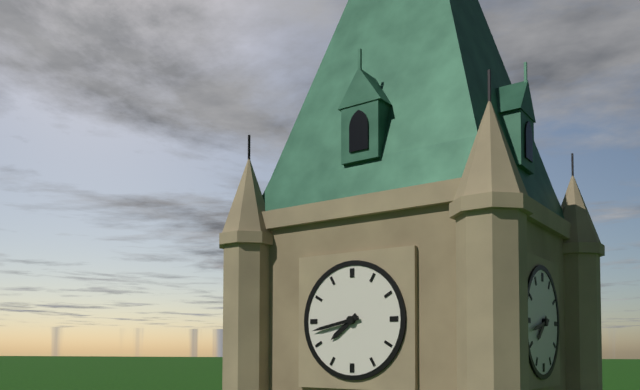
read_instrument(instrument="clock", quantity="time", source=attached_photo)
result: 7:43
